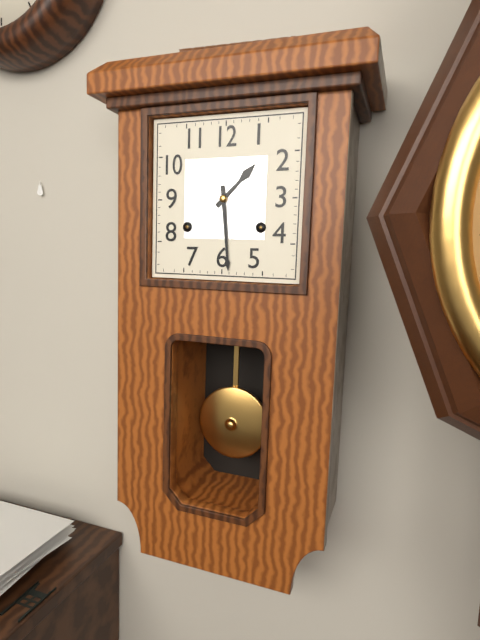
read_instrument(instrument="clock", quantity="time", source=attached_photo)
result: 1:29
